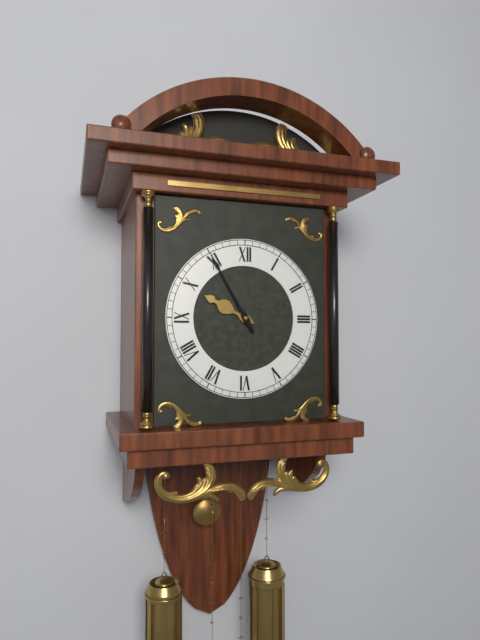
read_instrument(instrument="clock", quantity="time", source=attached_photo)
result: 9:55
